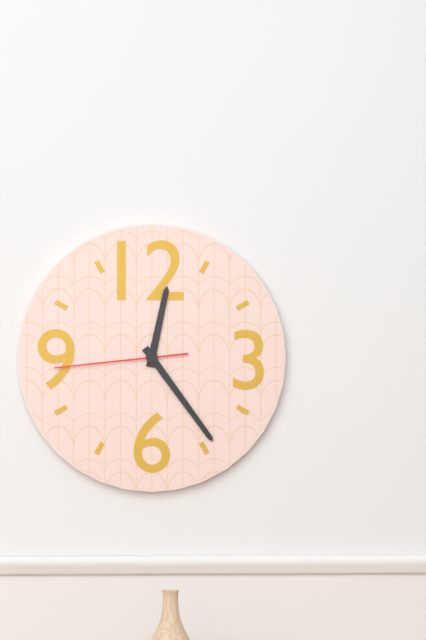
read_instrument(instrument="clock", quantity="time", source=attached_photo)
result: 12:24:44
